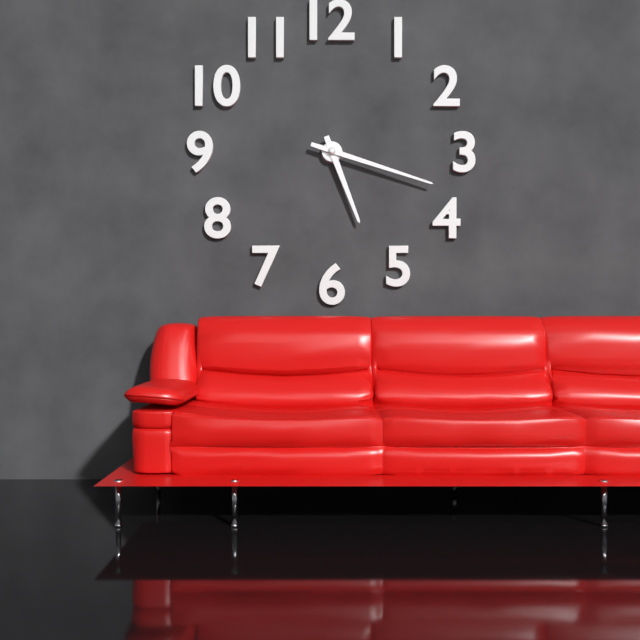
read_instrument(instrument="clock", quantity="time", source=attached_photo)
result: 5:18
